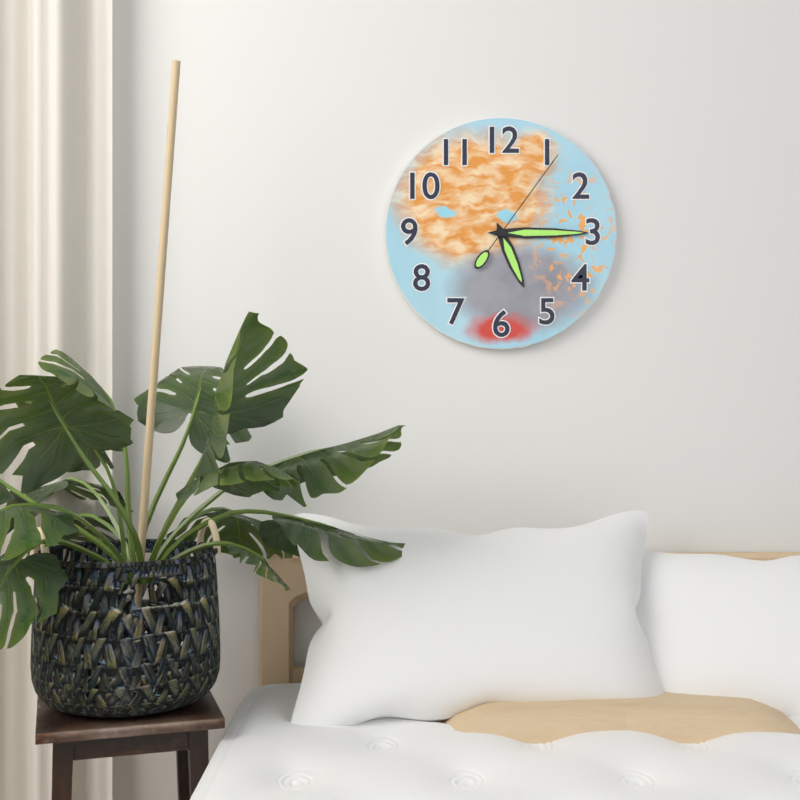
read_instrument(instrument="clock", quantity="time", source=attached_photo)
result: 5:15:06
